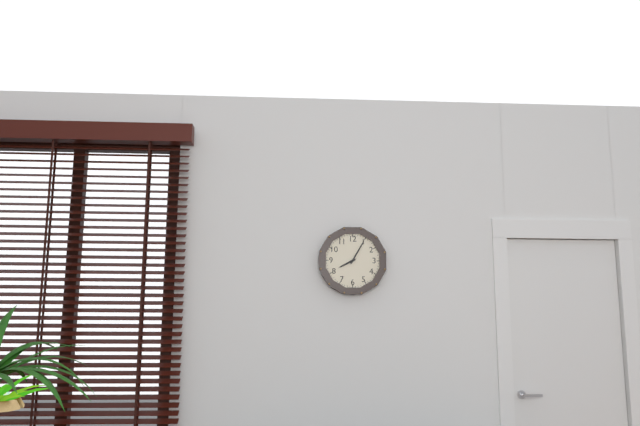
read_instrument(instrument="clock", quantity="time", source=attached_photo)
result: 8:05
